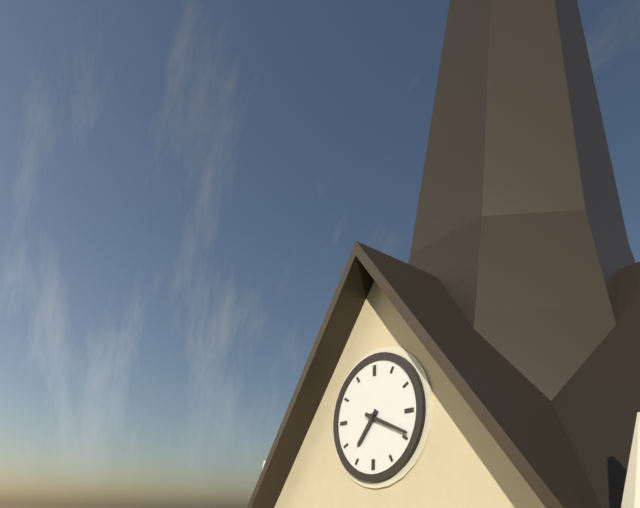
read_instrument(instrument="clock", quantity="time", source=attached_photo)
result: 7:19
